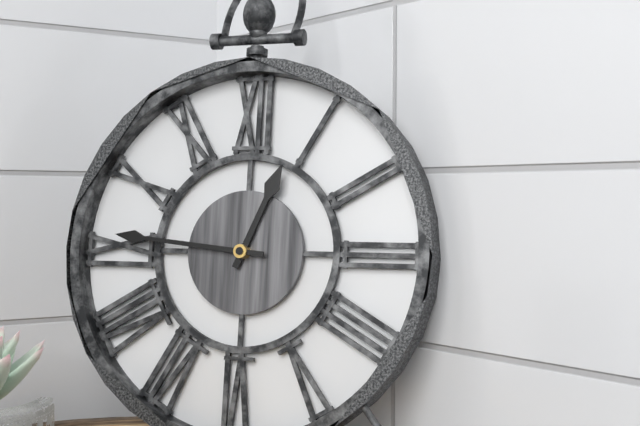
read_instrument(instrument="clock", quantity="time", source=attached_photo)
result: 12:46
